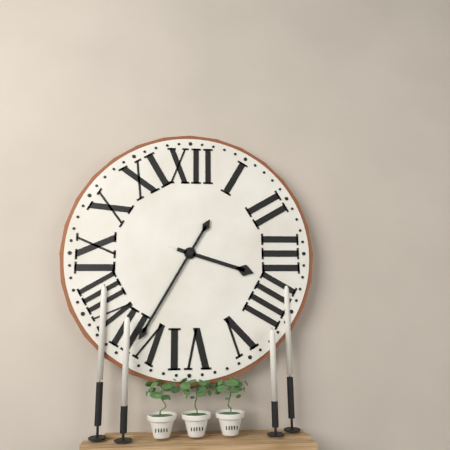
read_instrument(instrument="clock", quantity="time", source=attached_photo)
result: 3:35
